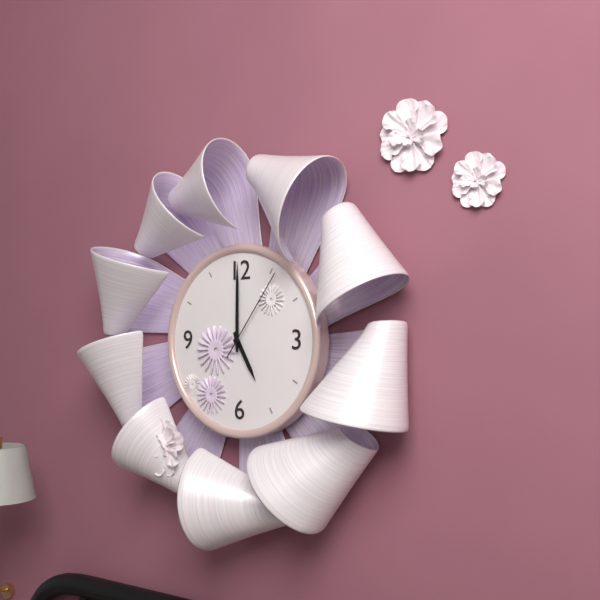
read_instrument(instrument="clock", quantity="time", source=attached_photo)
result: 5:00:06
